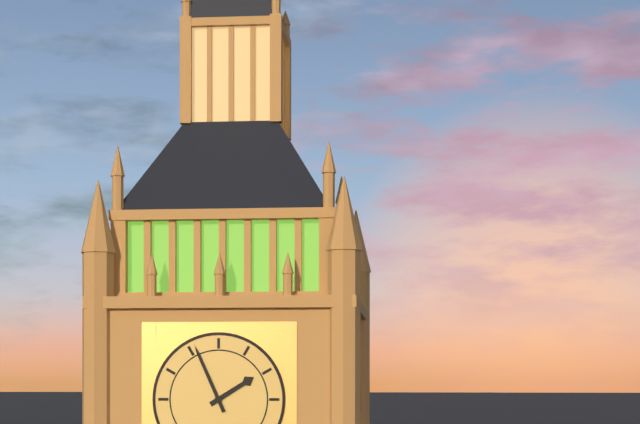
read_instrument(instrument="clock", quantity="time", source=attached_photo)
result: 1:56
